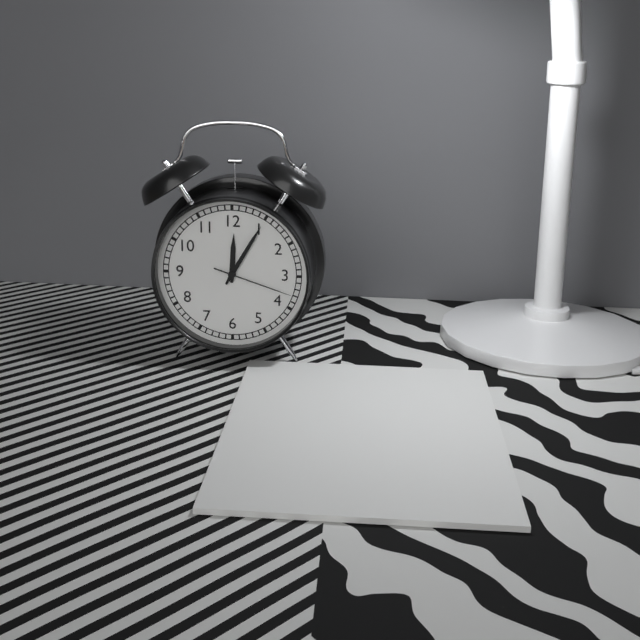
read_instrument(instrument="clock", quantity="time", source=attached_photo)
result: 12:05:18
